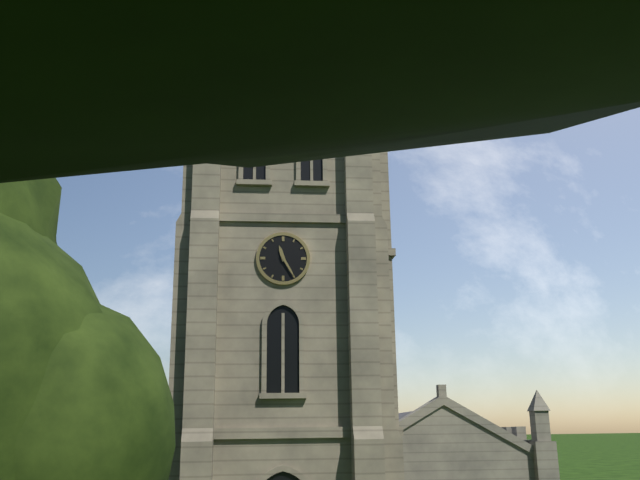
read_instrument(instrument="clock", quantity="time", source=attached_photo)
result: 11:25
